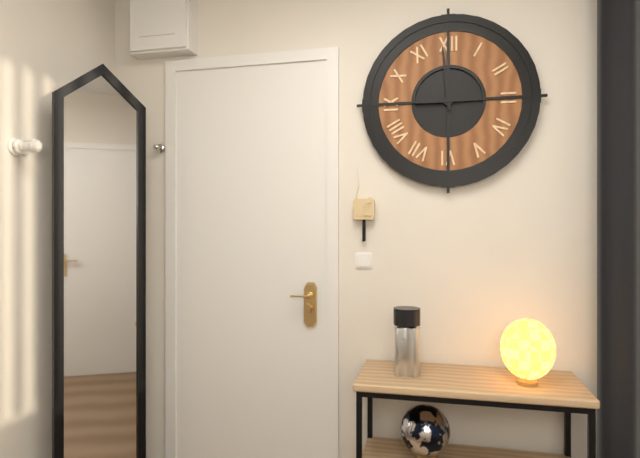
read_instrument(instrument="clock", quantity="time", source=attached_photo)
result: 8:59
